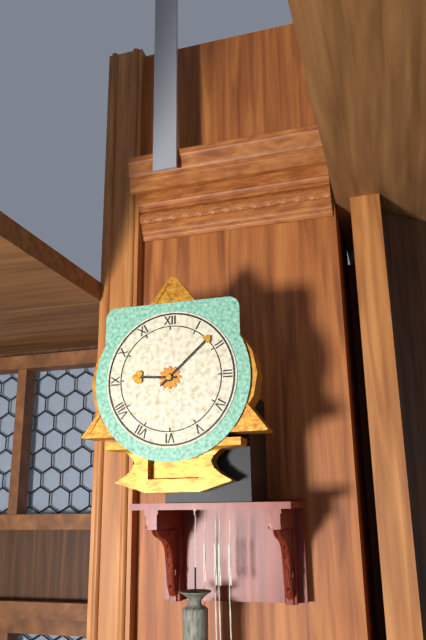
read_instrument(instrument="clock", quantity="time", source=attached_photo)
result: 9:08
